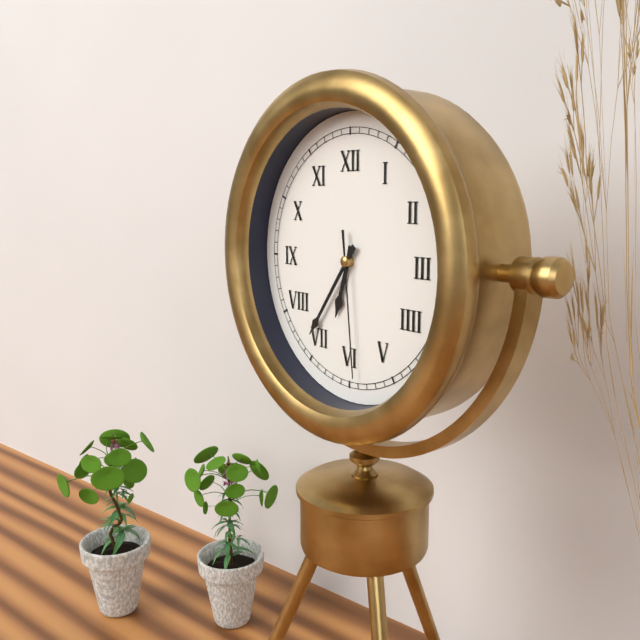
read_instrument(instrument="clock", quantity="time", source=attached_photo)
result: 6:36:29
